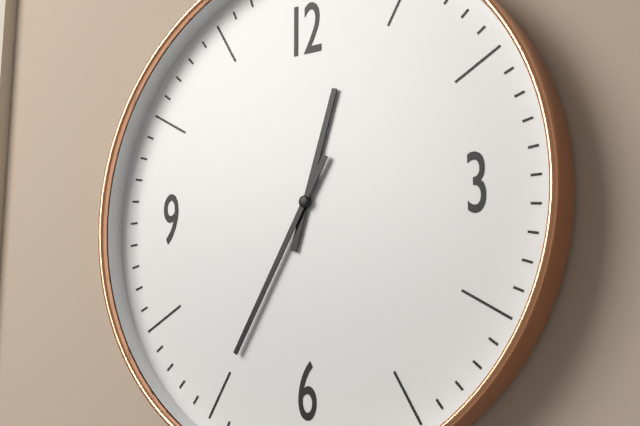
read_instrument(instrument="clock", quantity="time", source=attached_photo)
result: 12:35
